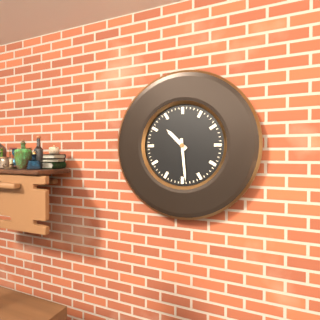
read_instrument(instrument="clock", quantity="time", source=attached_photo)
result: 10:29
